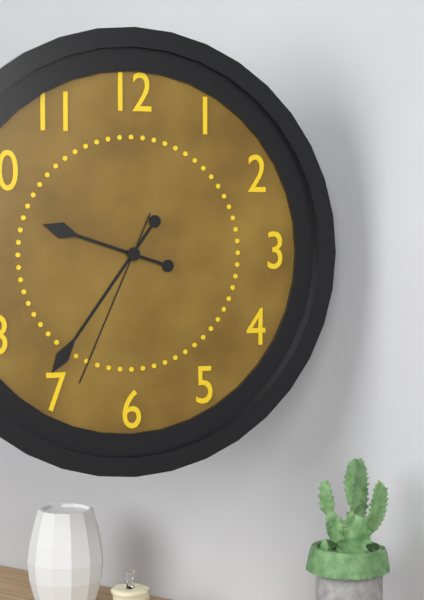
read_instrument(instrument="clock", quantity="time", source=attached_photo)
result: 9:36:34
